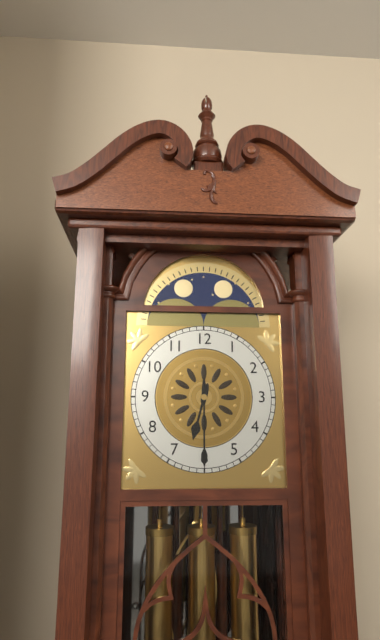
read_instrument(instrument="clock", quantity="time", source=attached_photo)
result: 6:30
